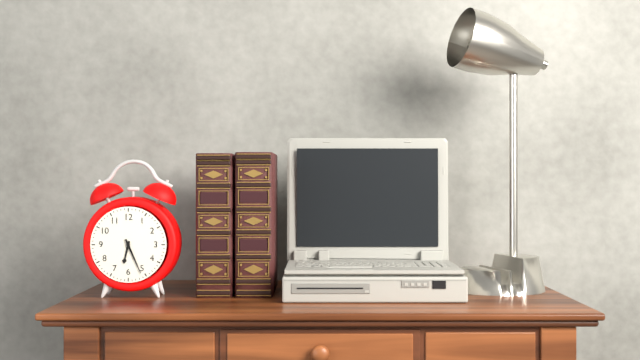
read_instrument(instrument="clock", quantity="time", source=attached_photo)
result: 6:26
